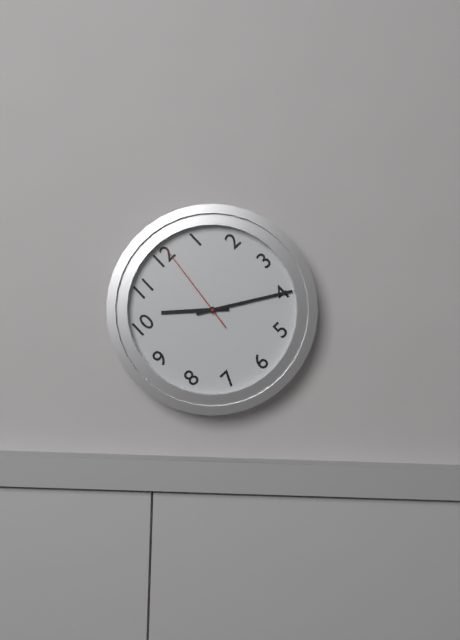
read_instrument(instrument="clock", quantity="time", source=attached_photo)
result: 10:20:01
